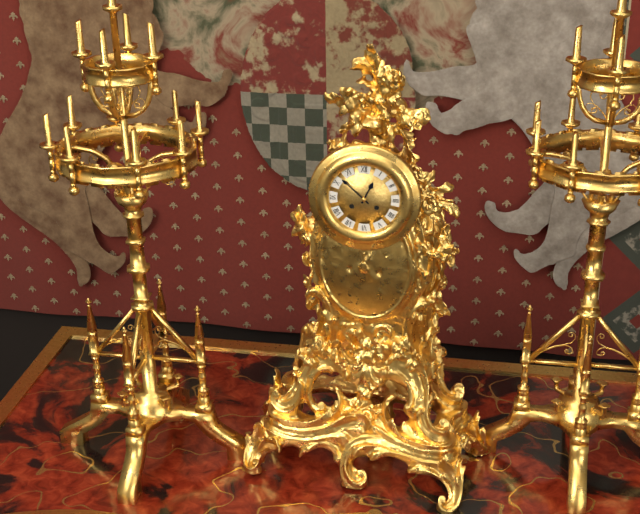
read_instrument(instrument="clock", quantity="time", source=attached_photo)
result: 12:52
